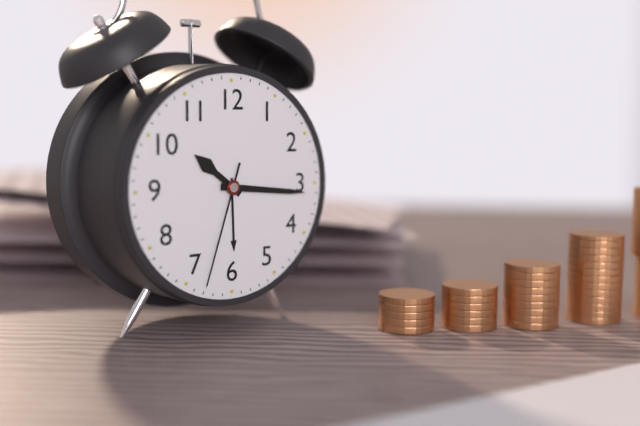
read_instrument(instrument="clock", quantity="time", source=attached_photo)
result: 10:16:33
